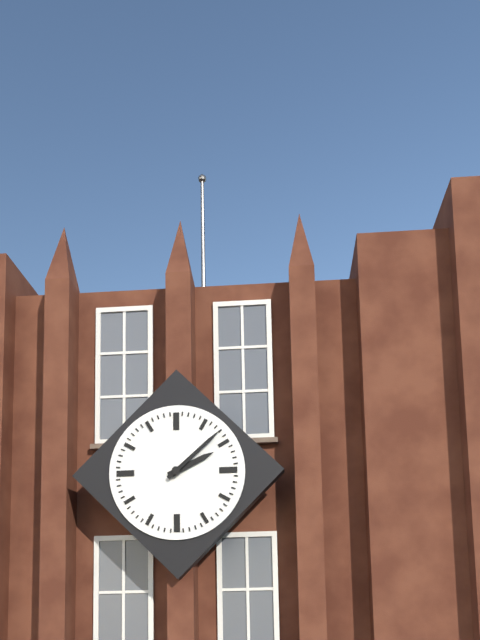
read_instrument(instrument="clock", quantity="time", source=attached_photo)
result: 2:08
